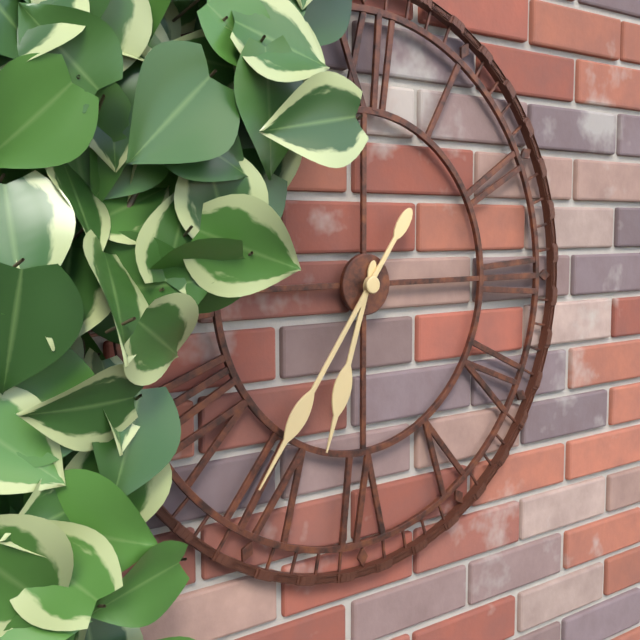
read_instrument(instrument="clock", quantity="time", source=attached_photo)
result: 6:36
